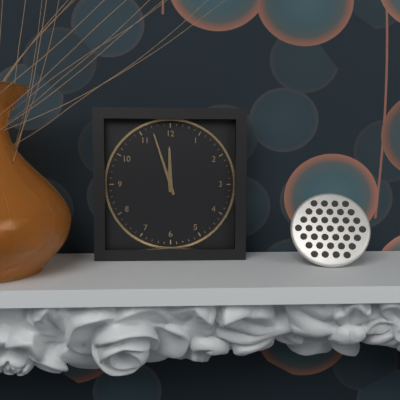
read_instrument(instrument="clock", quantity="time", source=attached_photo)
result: 11:57
